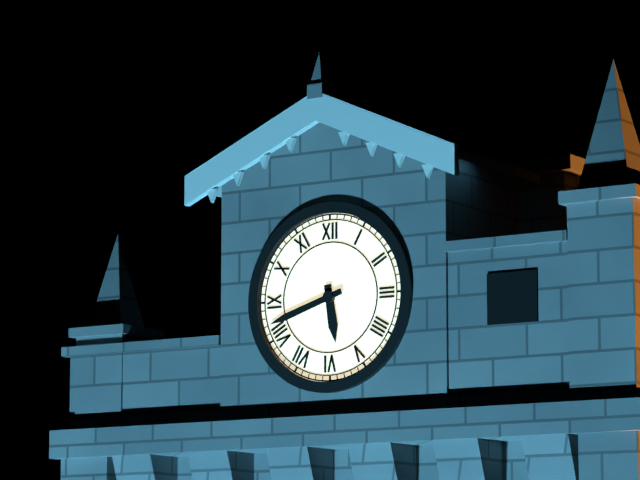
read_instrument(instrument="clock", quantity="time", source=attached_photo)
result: 5:42
